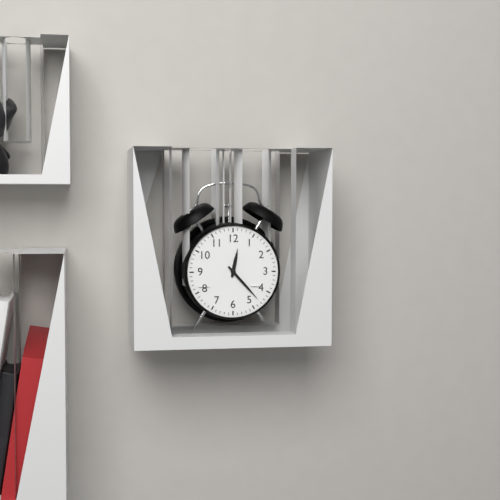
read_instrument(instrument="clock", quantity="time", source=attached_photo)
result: 12:23
